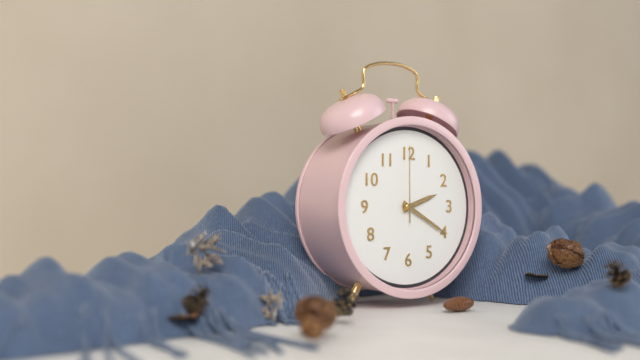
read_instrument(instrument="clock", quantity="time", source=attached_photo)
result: 2:20:00
